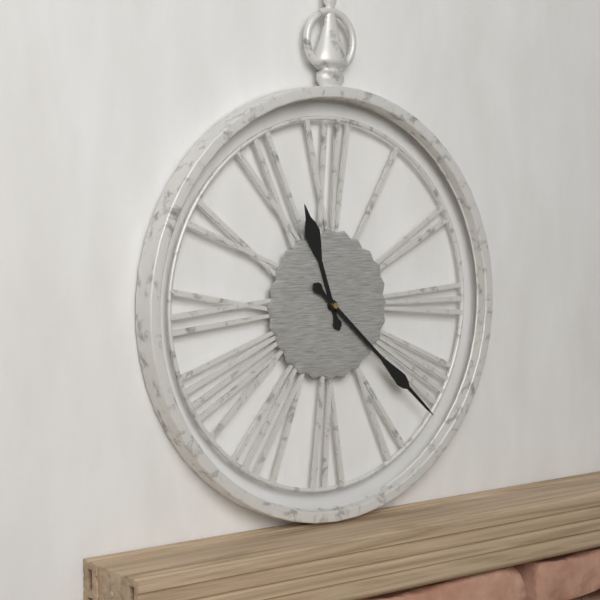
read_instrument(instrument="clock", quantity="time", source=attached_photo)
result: 11:22
